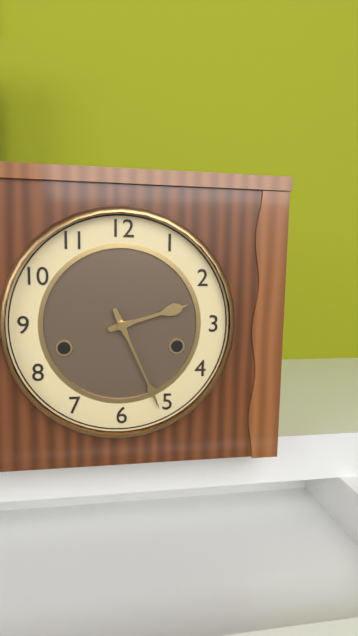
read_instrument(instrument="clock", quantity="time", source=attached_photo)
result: 2:26
